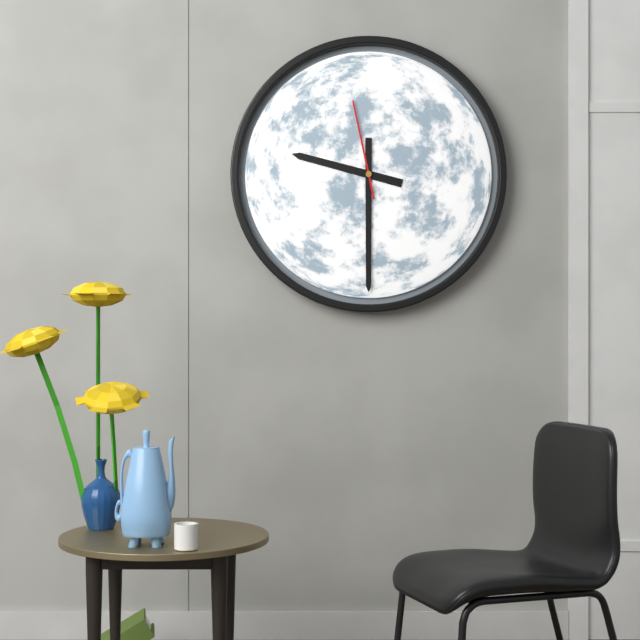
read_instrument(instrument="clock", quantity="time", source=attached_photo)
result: 9:30:58
